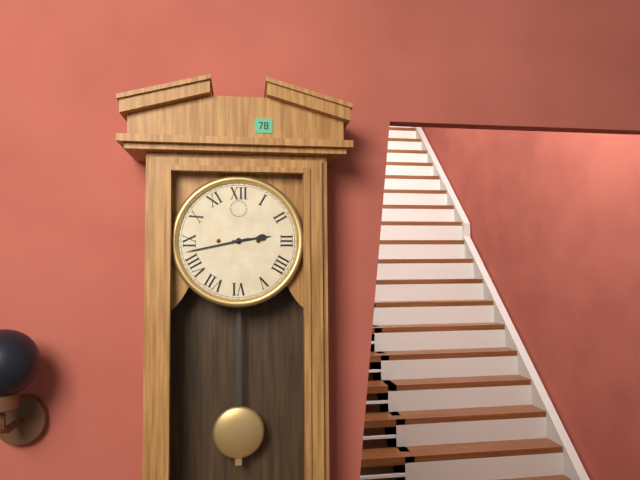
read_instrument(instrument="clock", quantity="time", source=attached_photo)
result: 2:43
